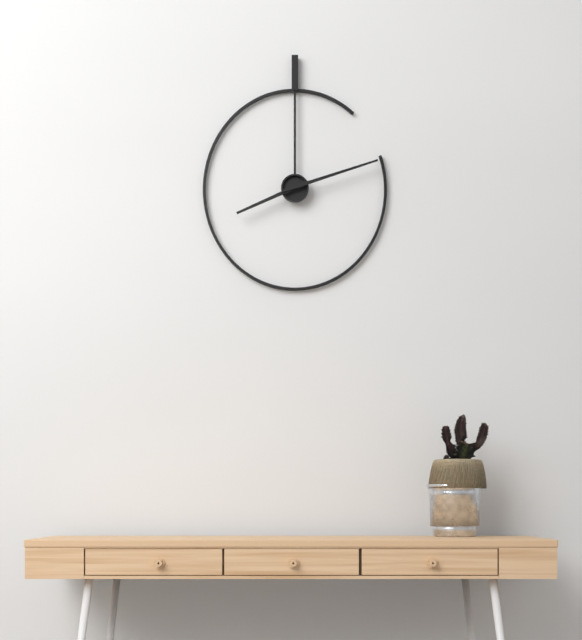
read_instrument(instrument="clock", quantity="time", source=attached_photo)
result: 8:12
